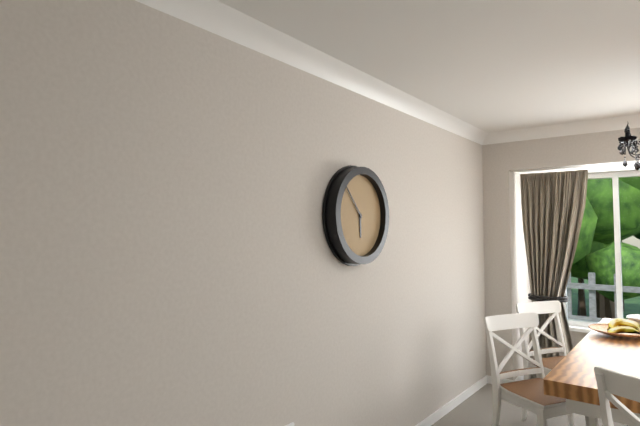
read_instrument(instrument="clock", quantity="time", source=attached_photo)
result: 5:53
